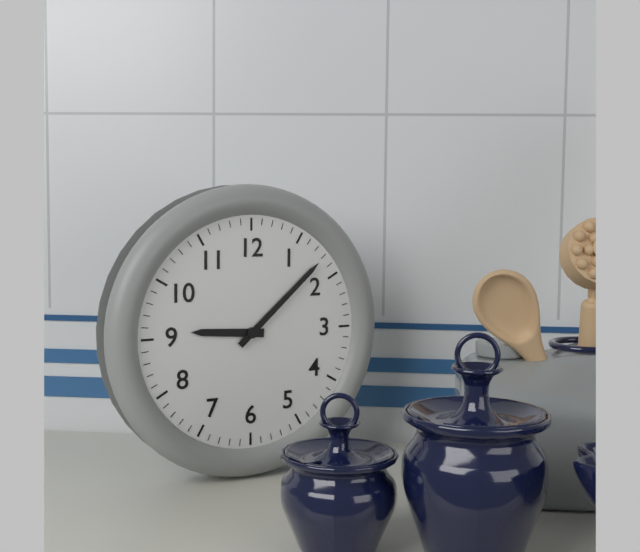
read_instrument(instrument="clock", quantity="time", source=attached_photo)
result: 9:08
